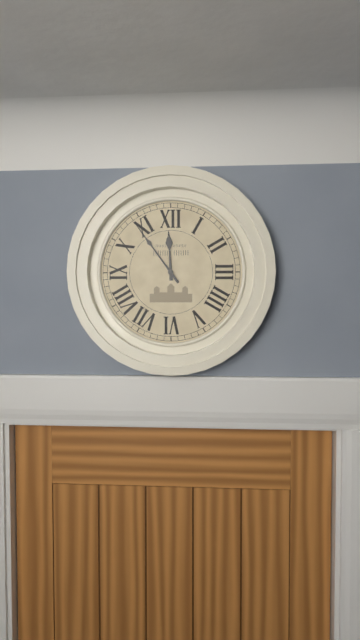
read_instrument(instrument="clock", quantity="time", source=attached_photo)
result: 11:54
